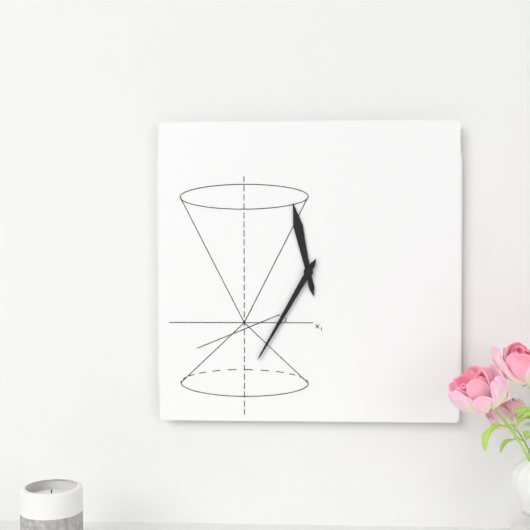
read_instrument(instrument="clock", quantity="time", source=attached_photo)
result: 11:35
